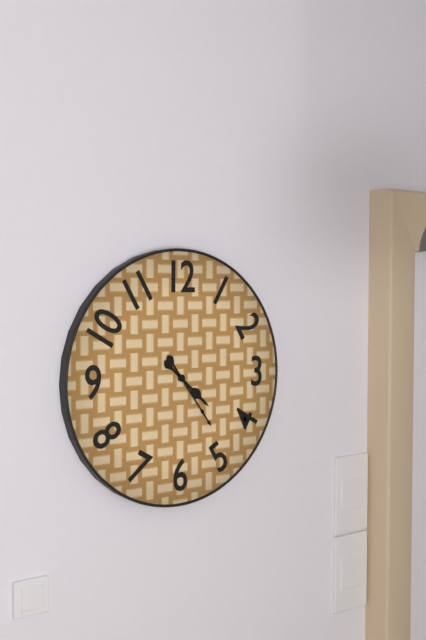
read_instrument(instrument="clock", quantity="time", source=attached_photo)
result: 4:24
